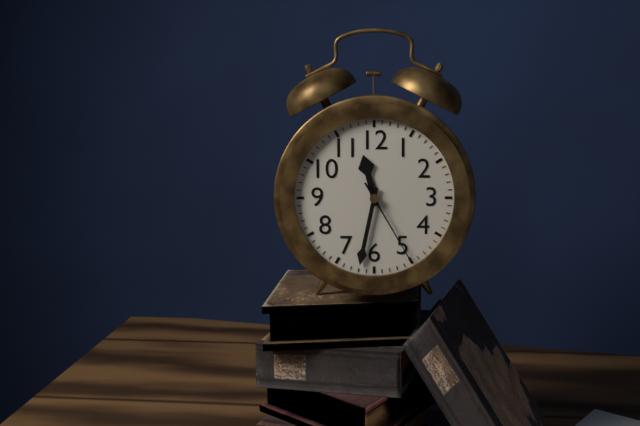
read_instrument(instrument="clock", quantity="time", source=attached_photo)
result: 11:32:25
